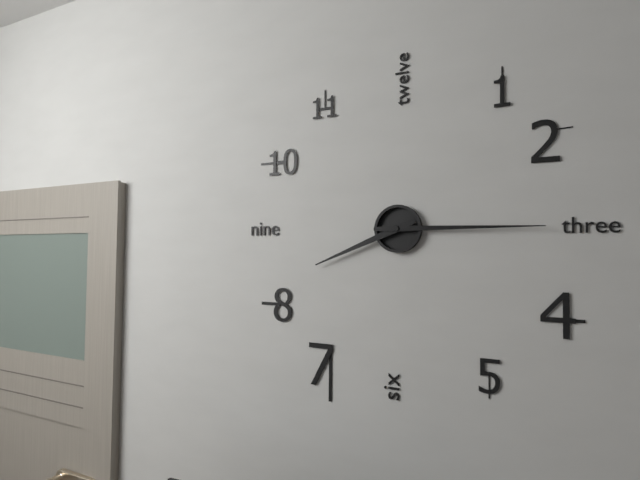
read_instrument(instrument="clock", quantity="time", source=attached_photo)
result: 8:15
